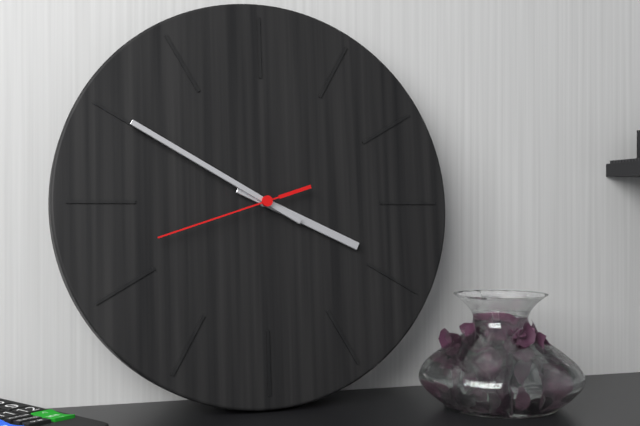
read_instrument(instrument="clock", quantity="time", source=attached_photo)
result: 3:50:42
